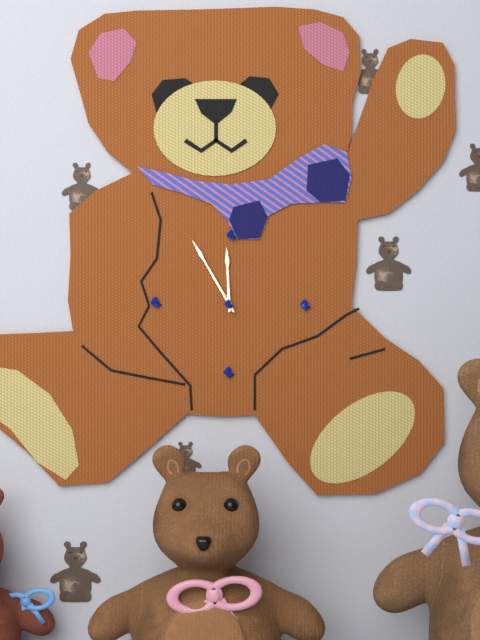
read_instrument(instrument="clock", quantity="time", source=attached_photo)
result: 11:55
